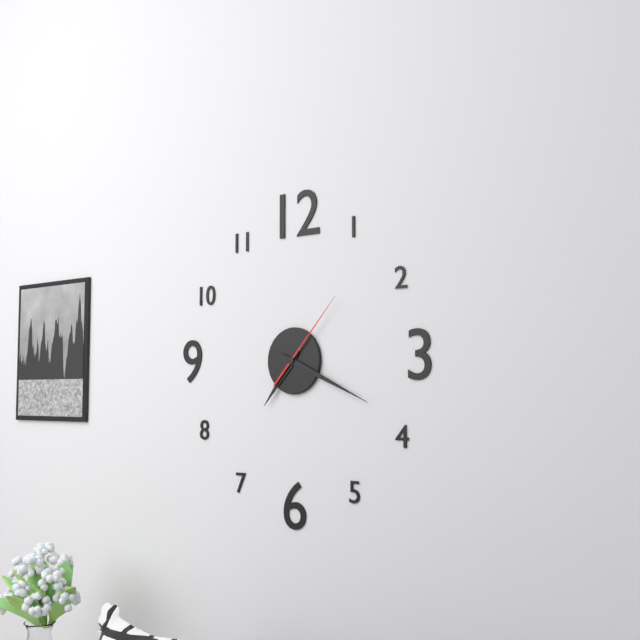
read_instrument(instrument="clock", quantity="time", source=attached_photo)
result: 7:19:07
